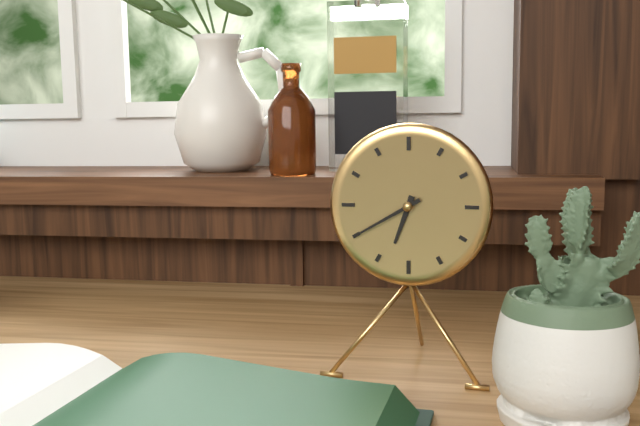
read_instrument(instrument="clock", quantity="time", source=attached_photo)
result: 6:40
